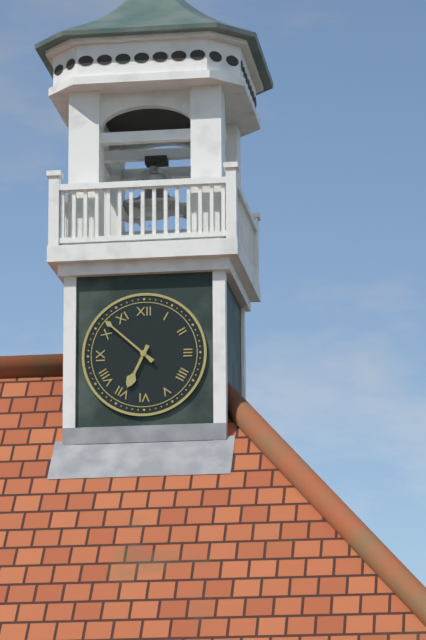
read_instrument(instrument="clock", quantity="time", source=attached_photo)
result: 6:52
